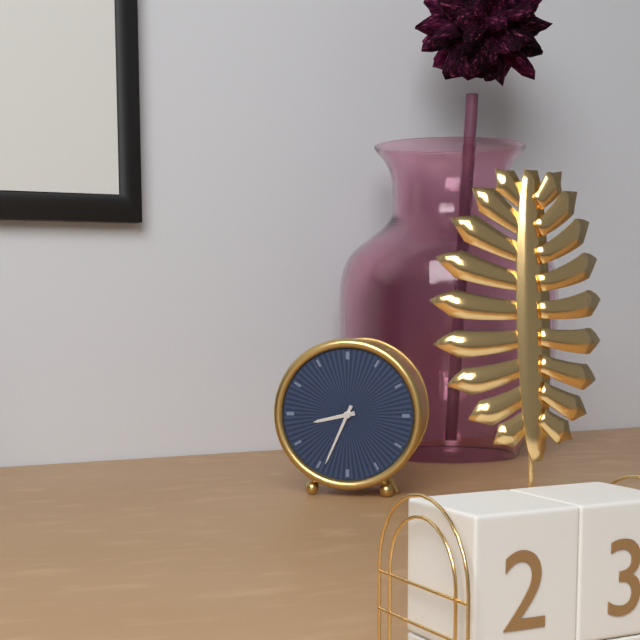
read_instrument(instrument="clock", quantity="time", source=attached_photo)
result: 8:34
